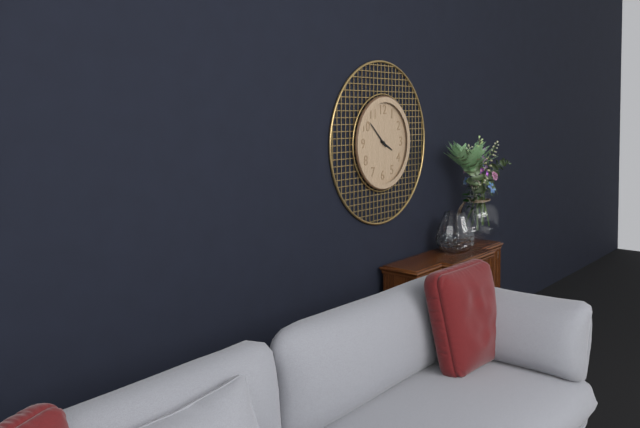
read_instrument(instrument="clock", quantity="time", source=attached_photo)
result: 3:52
